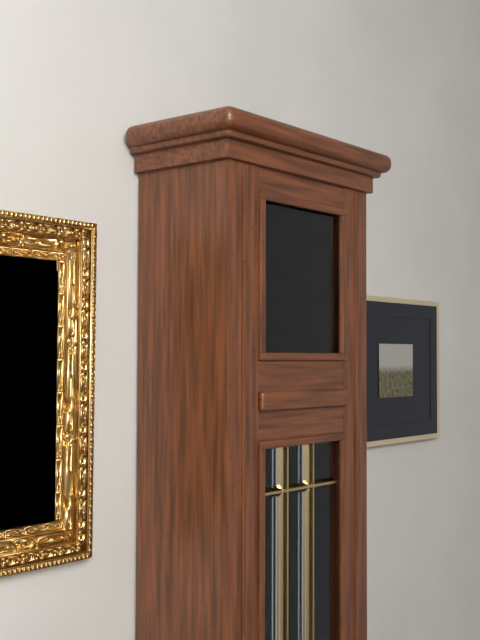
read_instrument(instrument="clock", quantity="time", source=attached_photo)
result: 6:30
